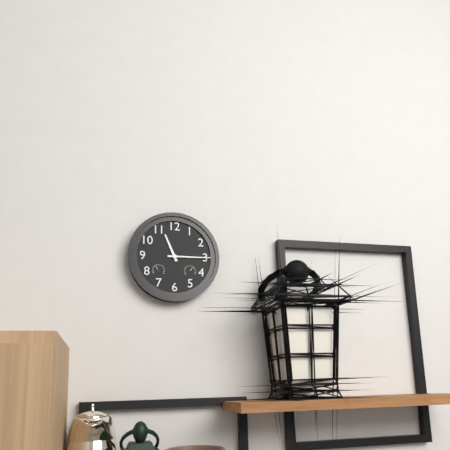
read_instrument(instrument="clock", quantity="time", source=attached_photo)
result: 11:15
